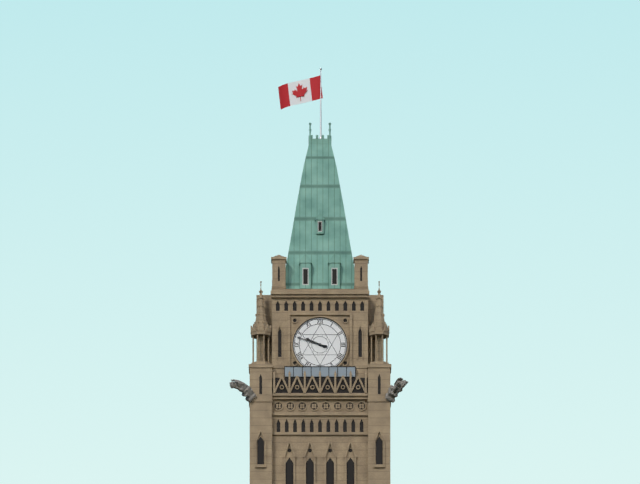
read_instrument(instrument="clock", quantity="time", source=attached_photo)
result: 9:48
